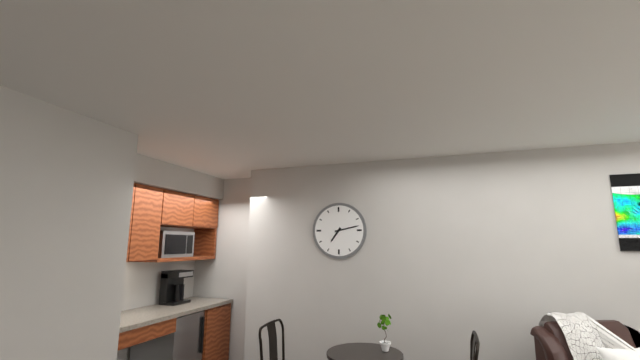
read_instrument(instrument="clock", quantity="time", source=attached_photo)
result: 7:13
